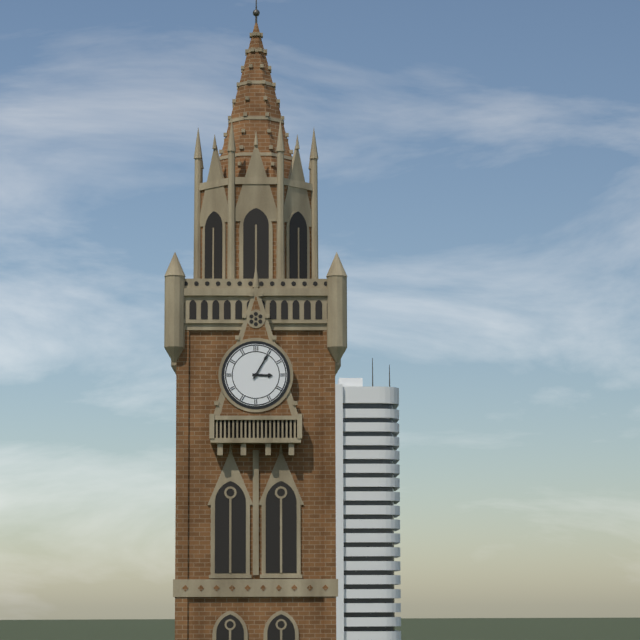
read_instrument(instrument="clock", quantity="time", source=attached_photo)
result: 3:05
